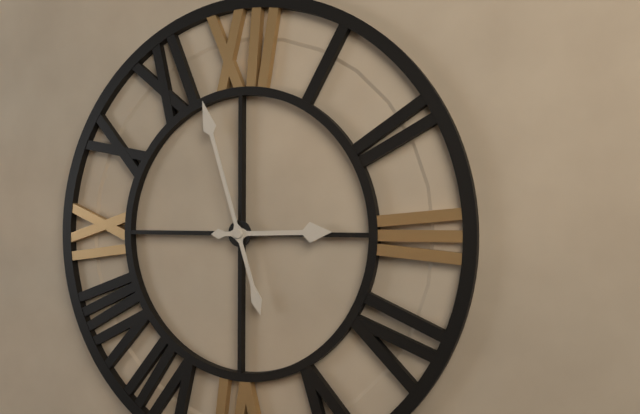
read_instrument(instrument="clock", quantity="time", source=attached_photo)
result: 2:57
